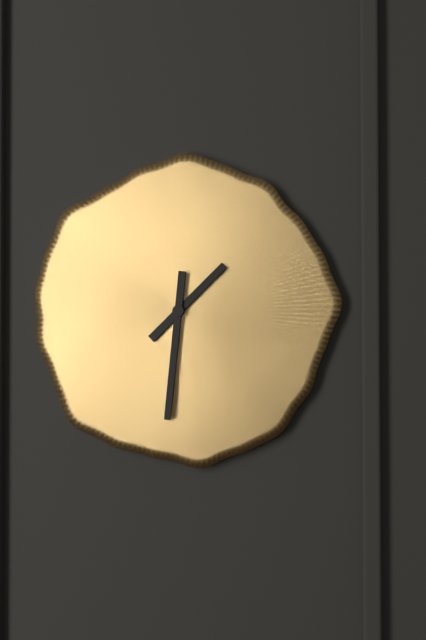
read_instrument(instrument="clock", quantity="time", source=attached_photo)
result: 1:31
